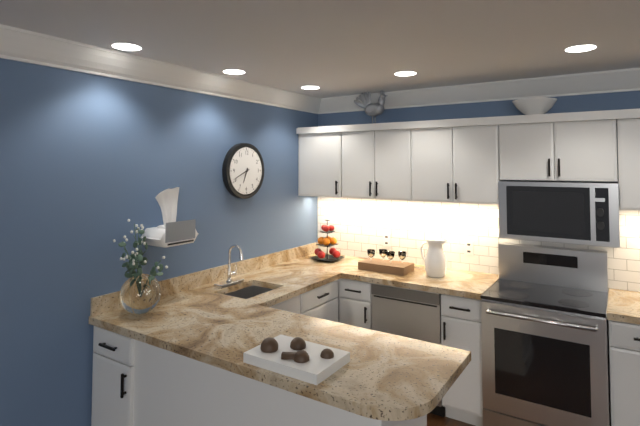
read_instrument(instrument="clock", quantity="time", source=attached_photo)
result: 6:41
